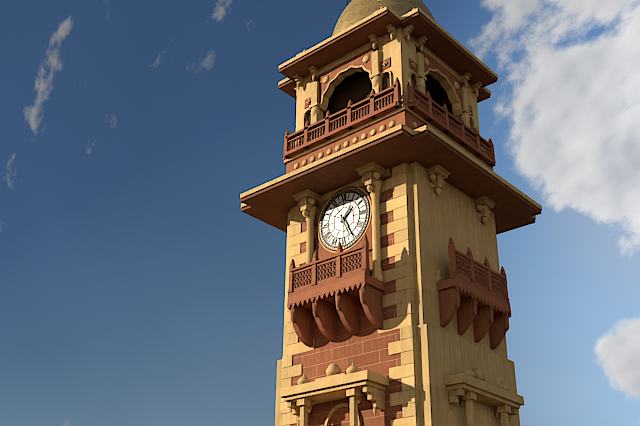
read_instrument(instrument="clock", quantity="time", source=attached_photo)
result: 1:26
